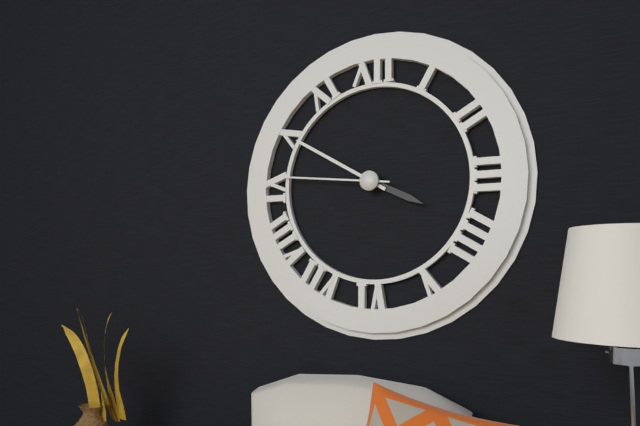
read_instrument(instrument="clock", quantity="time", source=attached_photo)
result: 3:50:46
